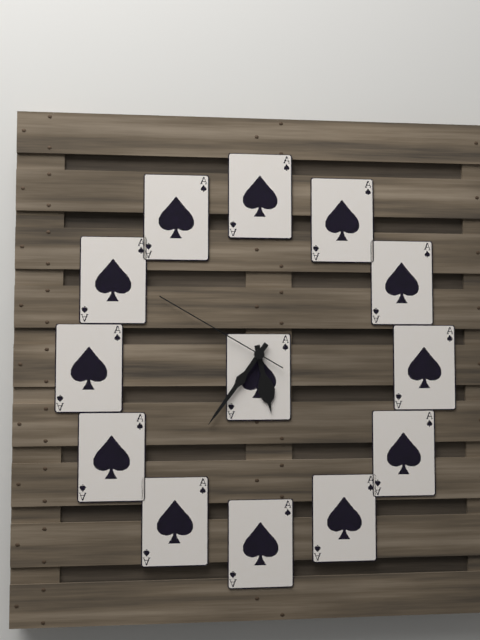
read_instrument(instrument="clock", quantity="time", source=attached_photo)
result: 5:36:50
